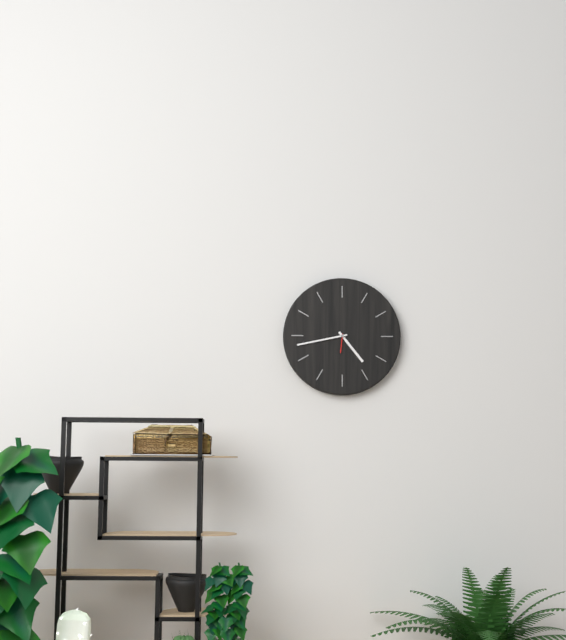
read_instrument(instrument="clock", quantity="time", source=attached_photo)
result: 4:43
